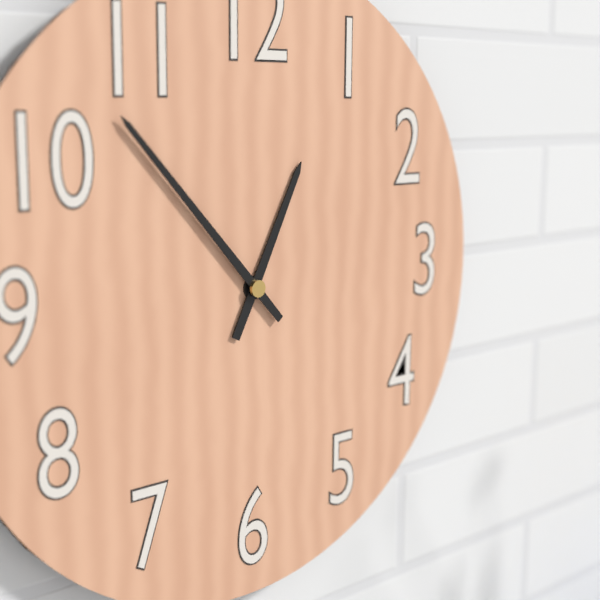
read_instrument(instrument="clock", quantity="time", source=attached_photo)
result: 12:53
